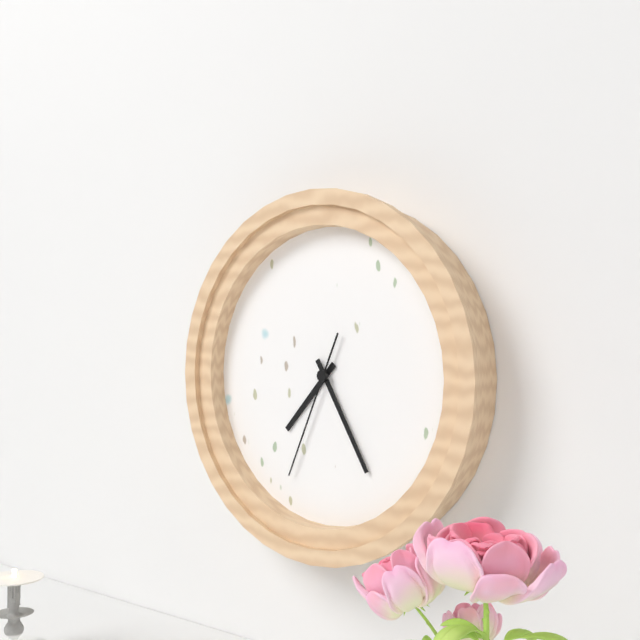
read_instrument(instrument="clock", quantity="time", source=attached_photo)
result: 7:25:34
